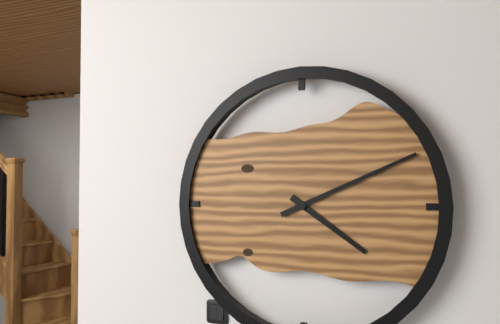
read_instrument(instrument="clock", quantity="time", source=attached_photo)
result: 4:11
